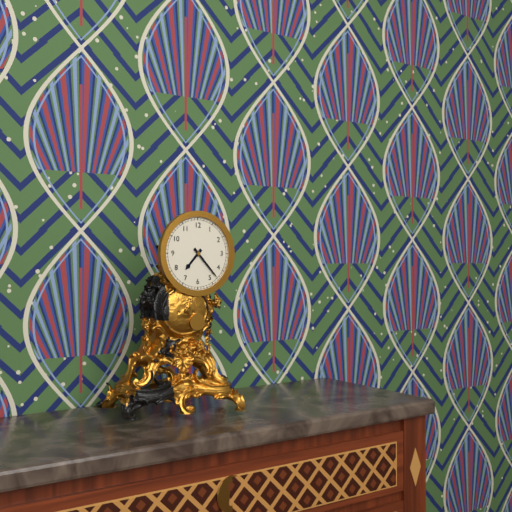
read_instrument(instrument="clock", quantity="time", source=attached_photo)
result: 7:23
